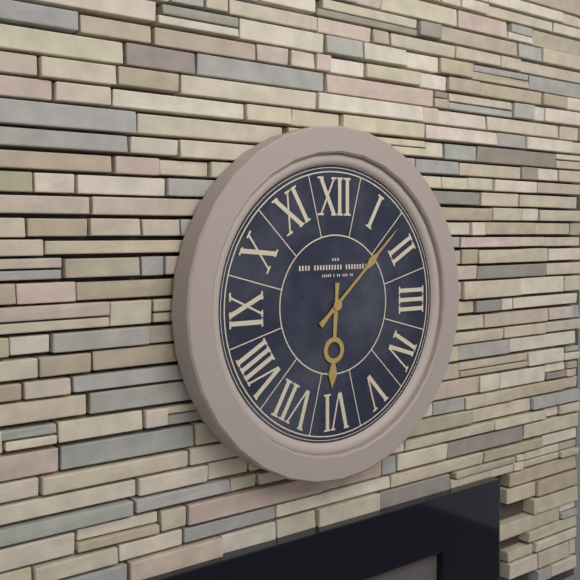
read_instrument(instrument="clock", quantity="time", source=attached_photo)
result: 6:08
